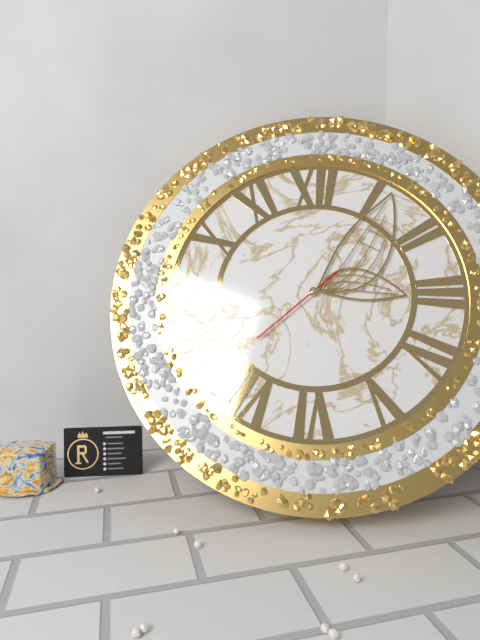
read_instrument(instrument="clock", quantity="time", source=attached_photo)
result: 3:06:38
